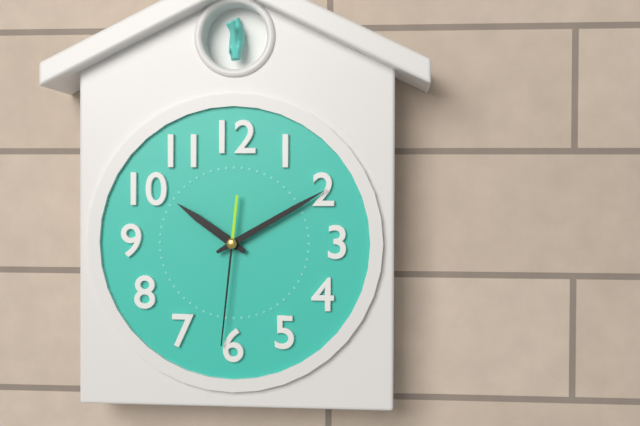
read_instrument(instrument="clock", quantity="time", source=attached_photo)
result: 10:10:31
